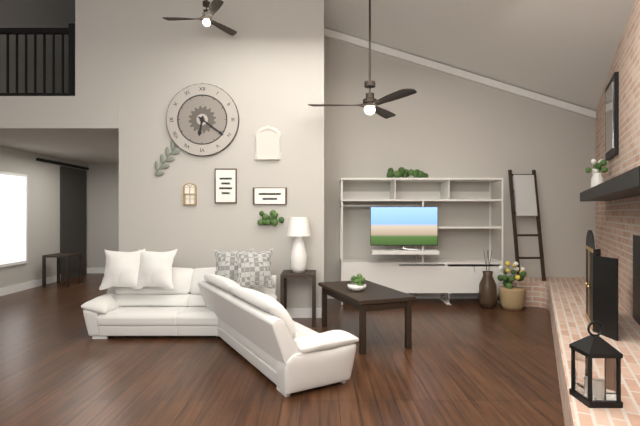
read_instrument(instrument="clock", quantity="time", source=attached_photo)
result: 6:21
